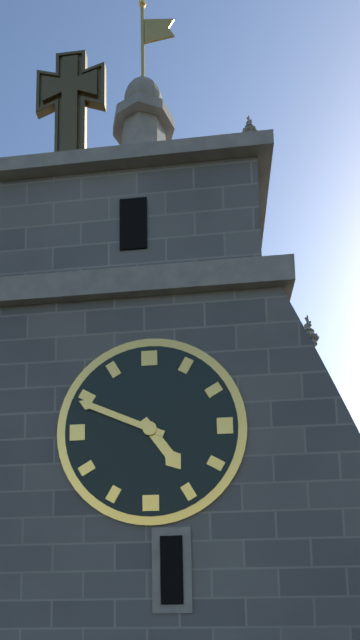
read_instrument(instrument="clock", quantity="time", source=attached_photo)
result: 4:49
